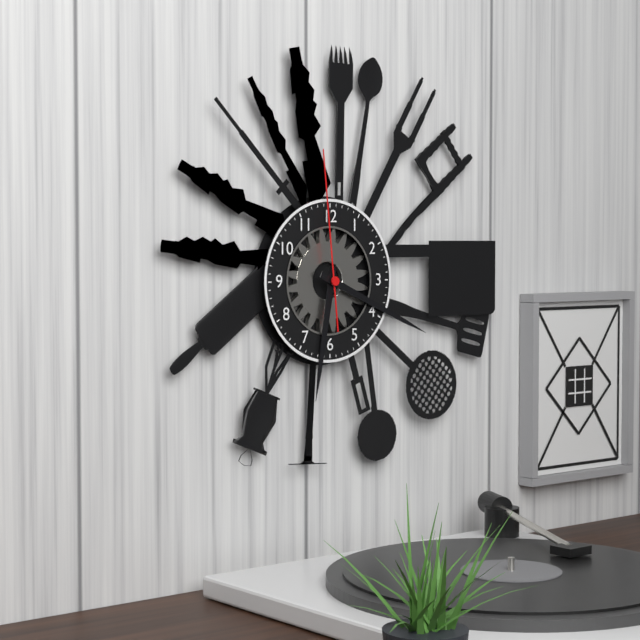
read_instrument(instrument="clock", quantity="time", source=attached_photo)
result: 6:19:59
